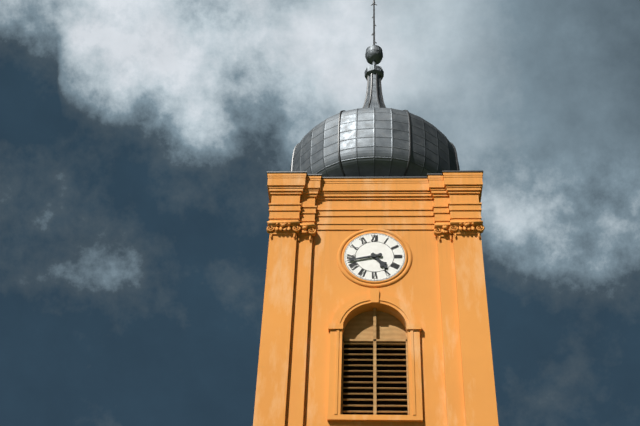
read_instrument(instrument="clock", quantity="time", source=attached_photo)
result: 4:43
